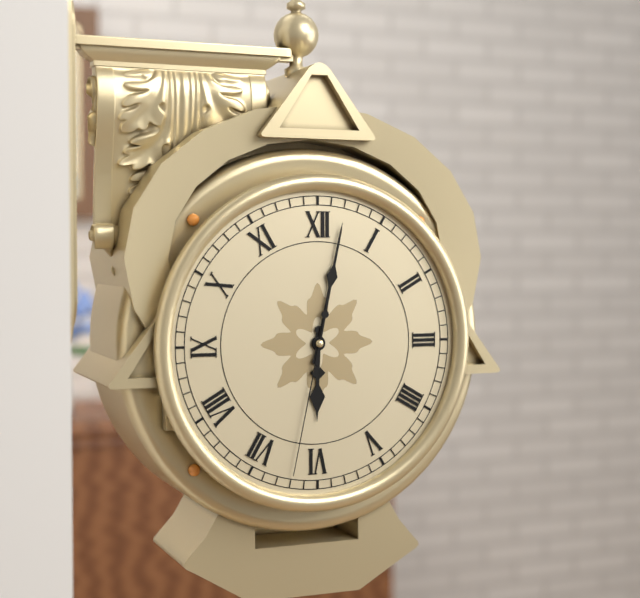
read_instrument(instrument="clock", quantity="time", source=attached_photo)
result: 6:02:32
